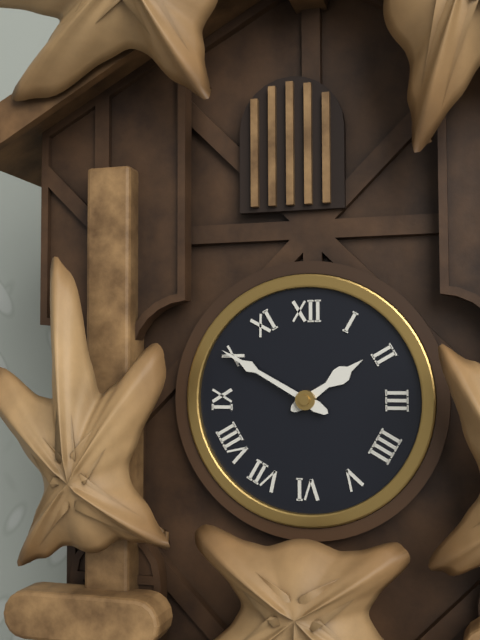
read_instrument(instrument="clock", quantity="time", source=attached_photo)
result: 1:50
